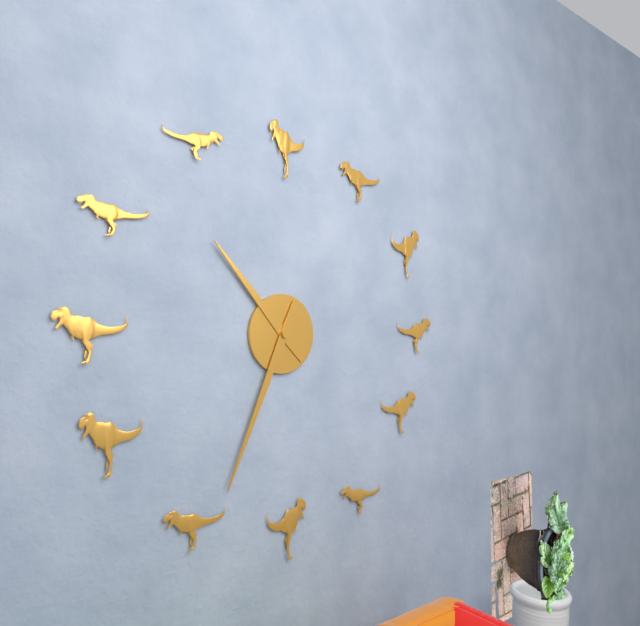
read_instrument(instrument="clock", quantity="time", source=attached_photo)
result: 10:34
